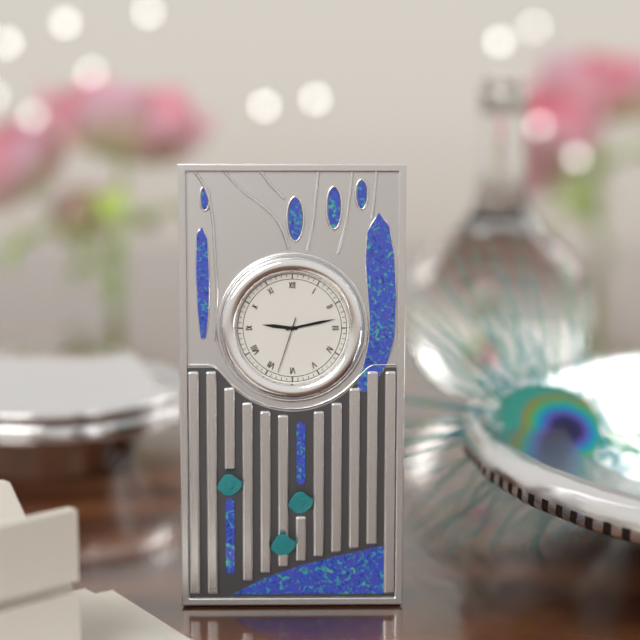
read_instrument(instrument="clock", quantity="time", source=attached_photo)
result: 9:13:33
